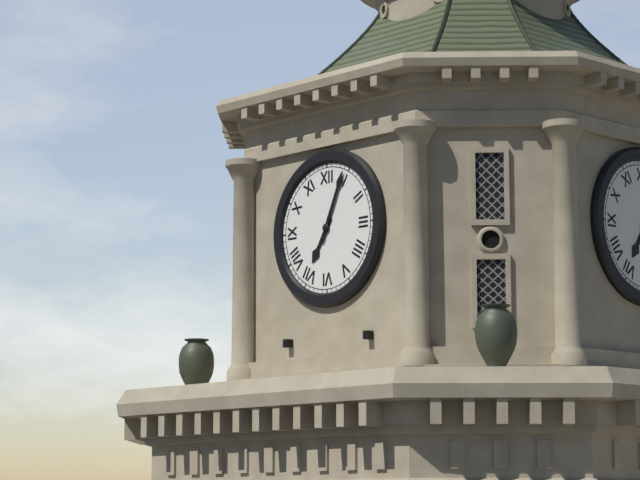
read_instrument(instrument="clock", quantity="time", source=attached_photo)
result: 7:04
